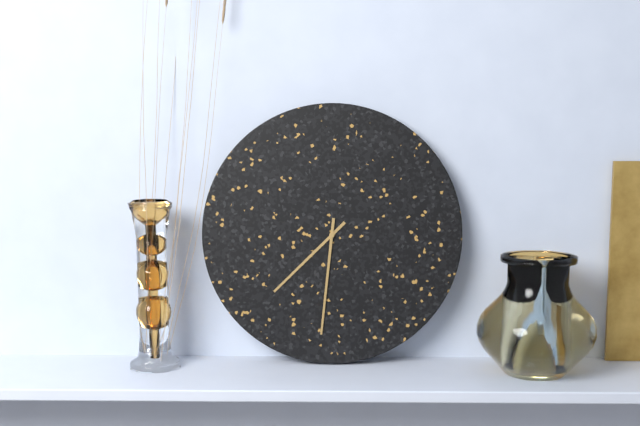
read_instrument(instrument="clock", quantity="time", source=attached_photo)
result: 7:31
